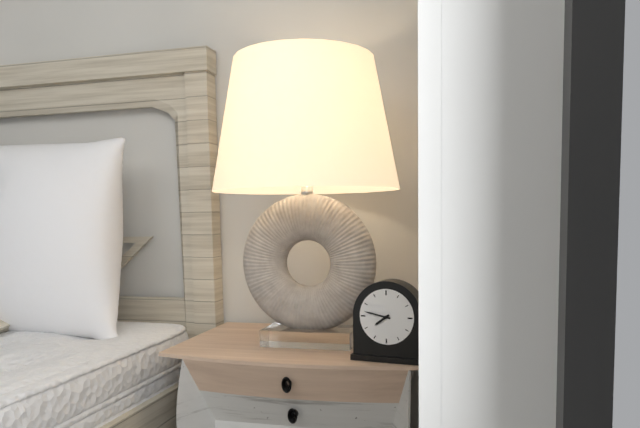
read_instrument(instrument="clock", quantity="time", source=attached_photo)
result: 7:47
